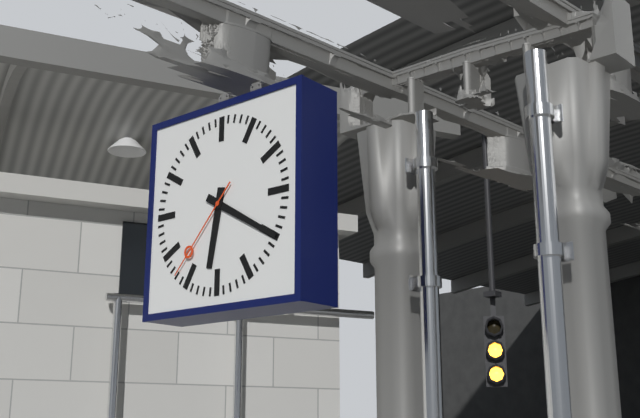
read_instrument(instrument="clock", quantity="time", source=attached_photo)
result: 6:20:37
